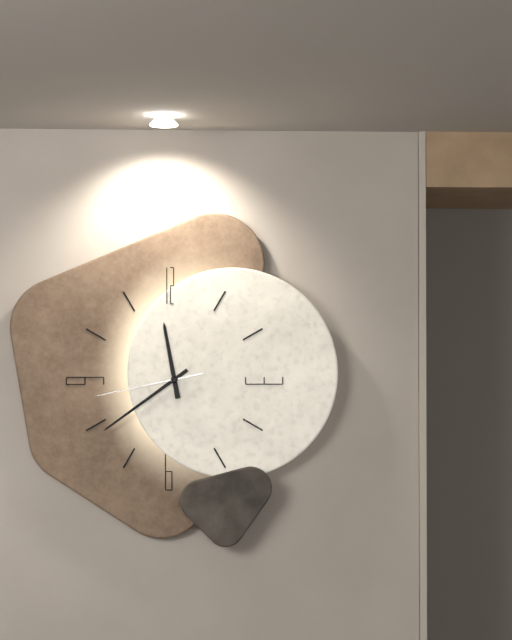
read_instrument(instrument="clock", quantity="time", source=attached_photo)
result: 11:39:43
